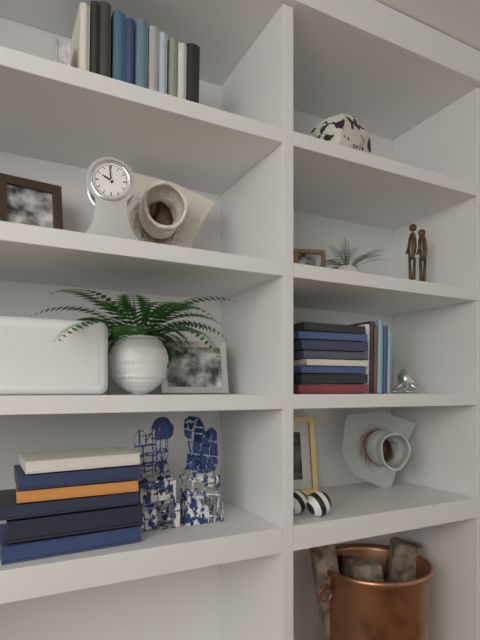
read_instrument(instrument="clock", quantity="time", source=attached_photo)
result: 9:59
